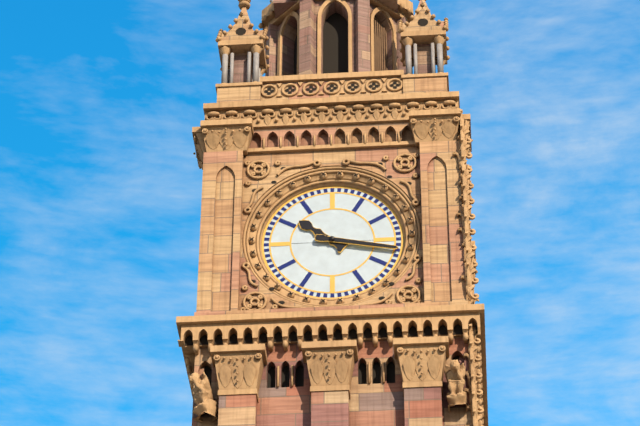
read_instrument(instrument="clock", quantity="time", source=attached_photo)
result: 10:17
